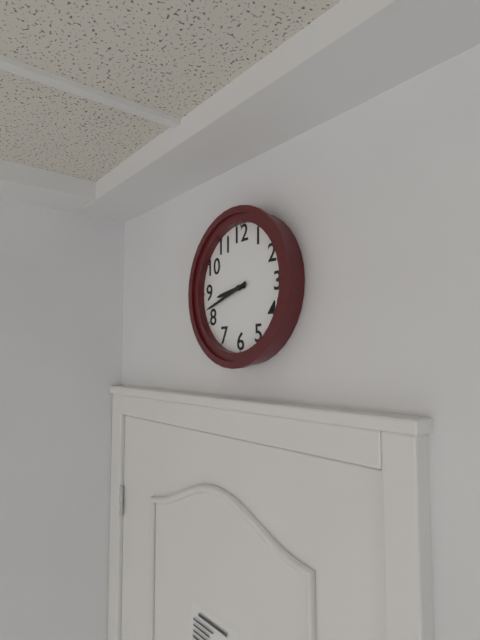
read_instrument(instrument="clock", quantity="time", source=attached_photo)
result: 8:42
